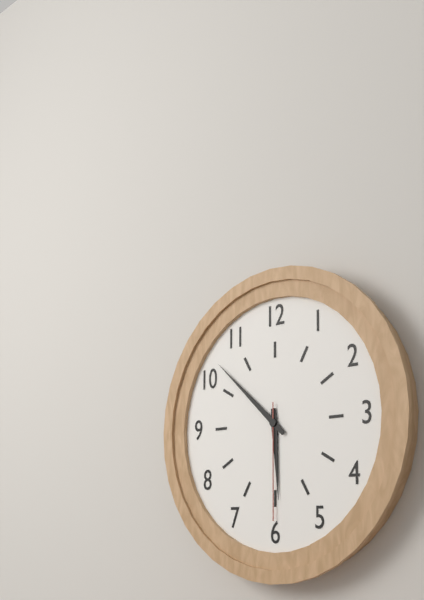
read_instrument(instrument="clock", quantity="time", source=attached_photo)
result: 5:52:30
